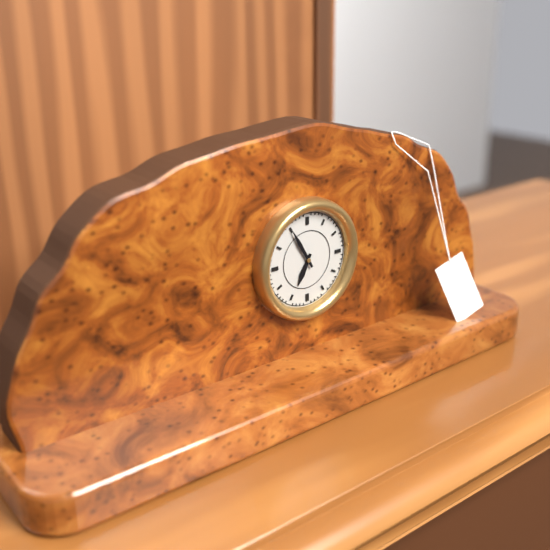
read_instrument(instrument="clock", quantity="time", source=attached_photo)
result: 6:55
